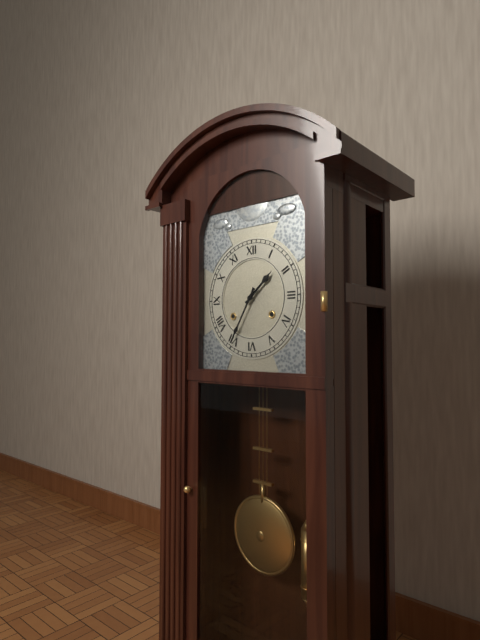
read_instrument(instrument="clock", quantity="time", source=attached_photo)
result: 1:35
